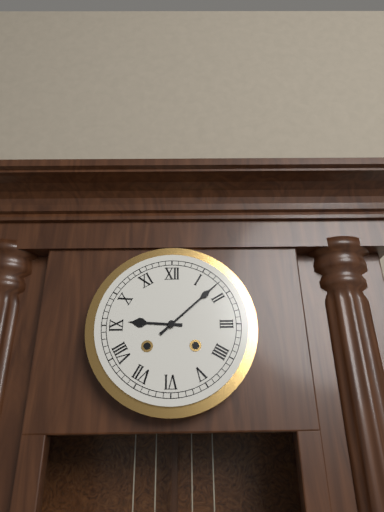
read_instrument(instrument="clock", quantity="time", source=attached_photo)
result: 9:08
